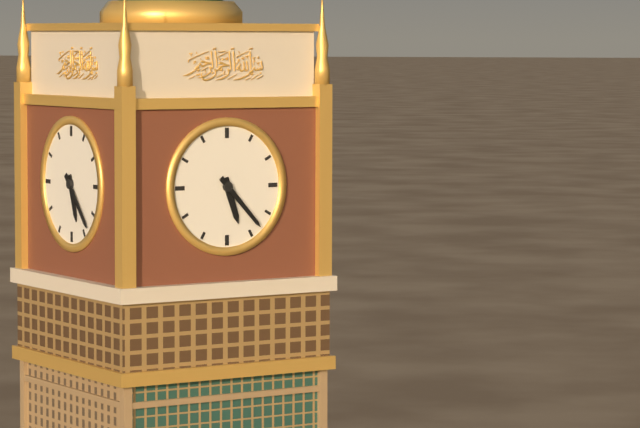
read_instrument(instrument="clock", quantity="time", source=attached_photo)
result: 5:23
